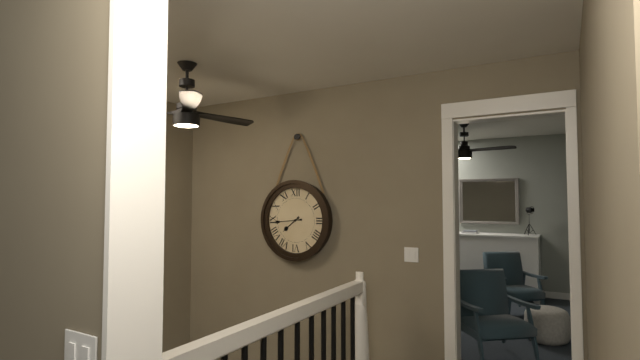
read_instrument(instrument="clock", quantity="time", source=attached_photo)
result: 7:44
